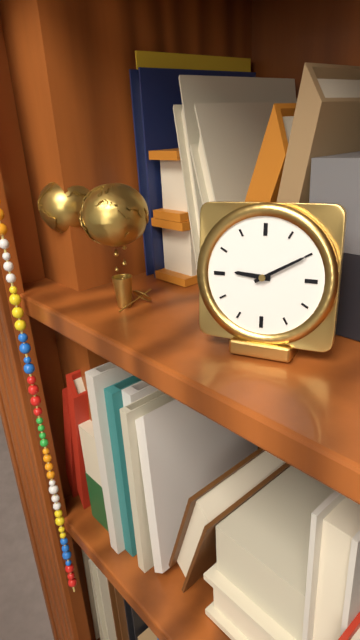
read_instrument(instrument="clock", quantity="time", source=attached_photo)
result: 9:10
